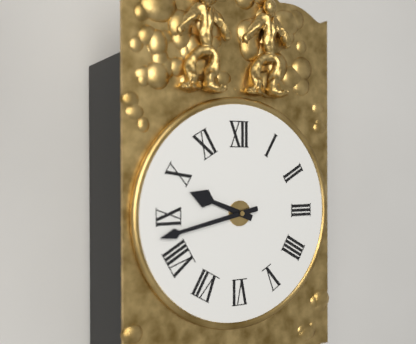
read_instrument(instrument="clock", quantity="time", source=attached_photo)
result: 9:43
